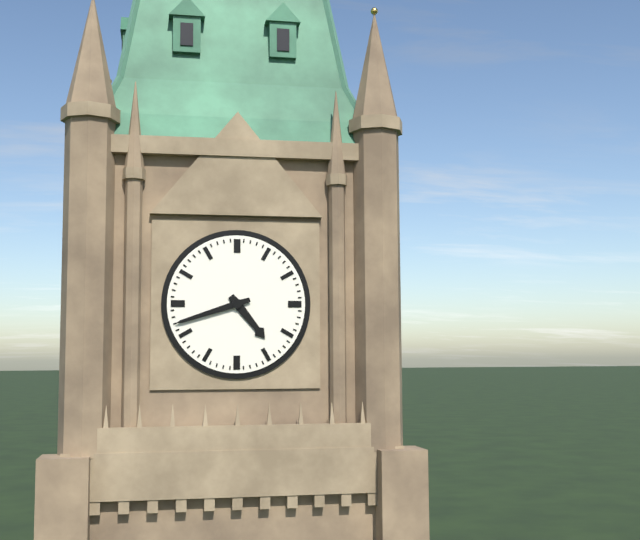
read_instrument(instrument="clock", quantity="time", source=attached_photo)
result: 4:42
